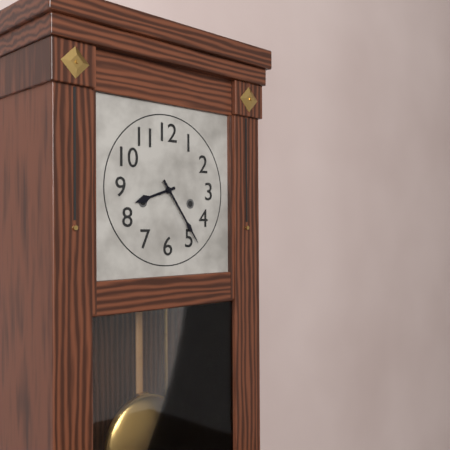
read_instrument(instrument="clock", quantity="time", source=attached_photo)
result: 8:24
